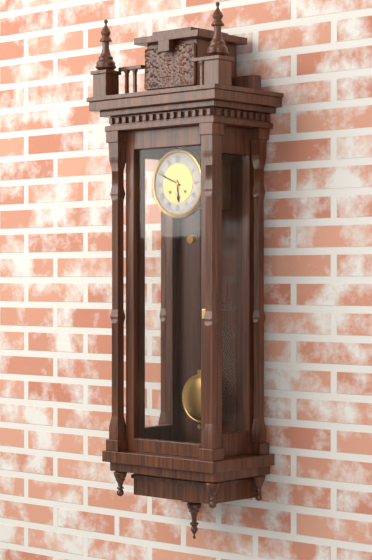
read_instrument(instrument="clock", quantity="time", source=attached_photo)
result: 5:49
